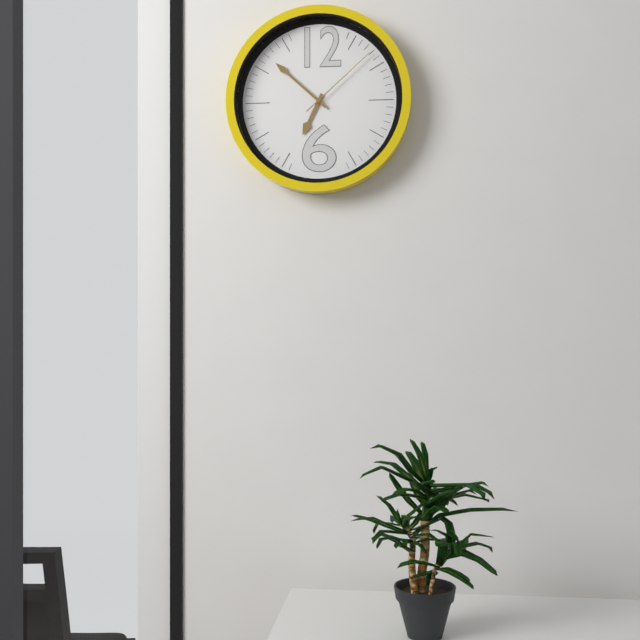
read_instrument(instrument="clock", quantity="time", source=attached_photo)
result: 6:52:08
